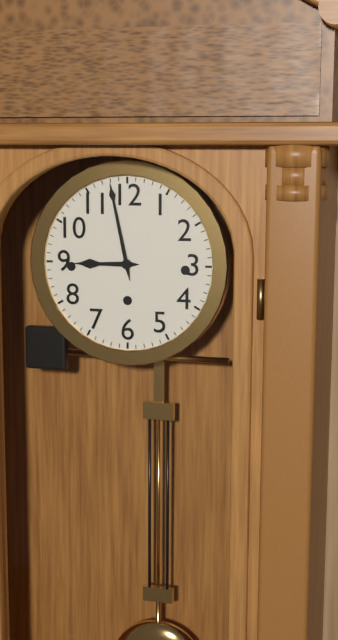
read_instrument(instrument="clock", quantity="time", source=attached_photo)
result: 8:58
